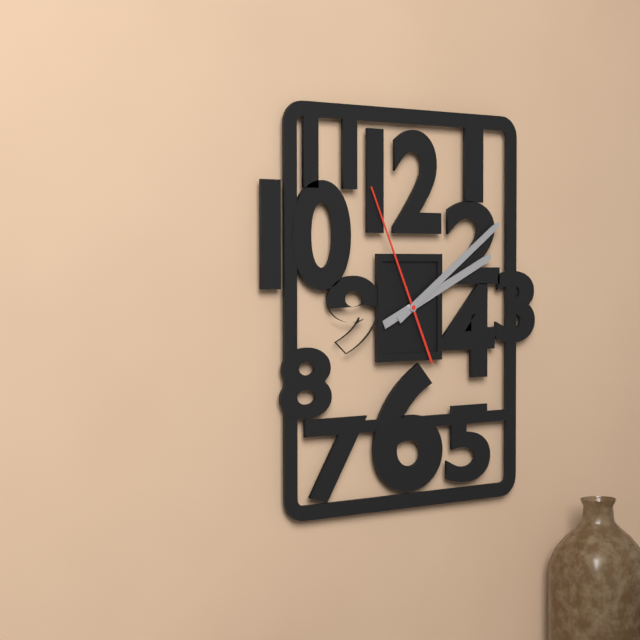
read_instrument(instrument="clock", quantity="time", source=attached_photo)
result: 2:09:56
